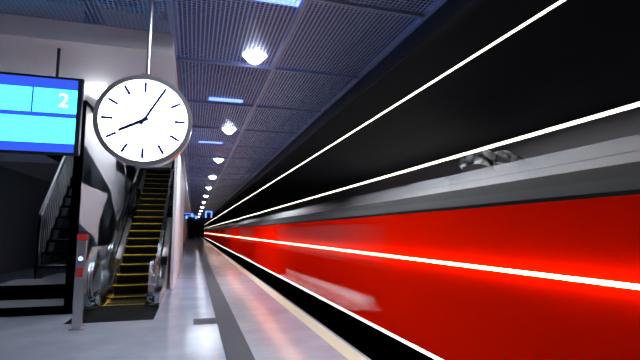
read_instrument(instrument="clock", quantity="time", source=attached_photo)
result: 8:05
